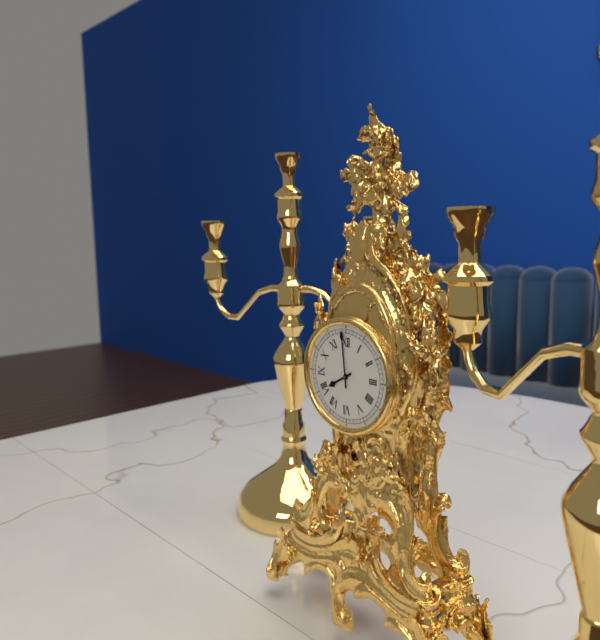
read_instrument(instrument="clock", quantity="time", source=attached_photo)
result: 7:59
